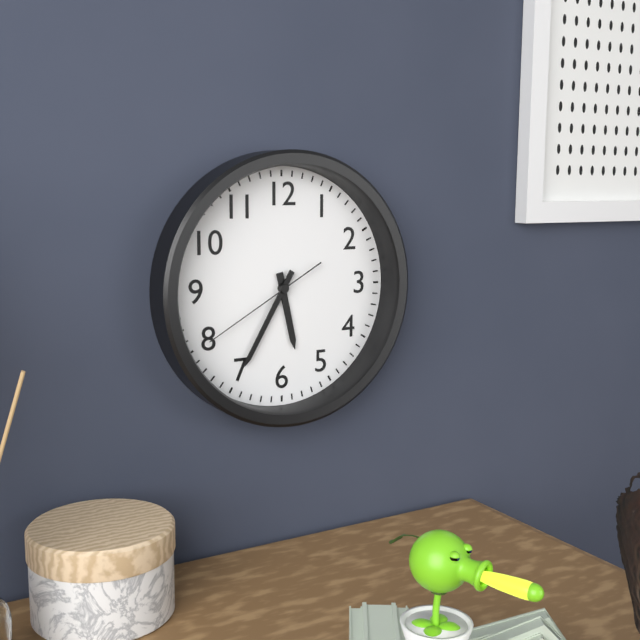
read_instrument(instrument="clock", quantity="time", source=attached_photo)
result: 5:35:40
